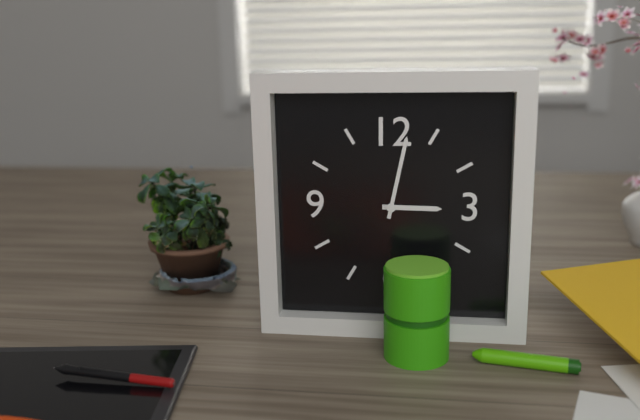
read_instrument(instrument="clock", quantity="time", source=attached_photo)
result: 3:02
